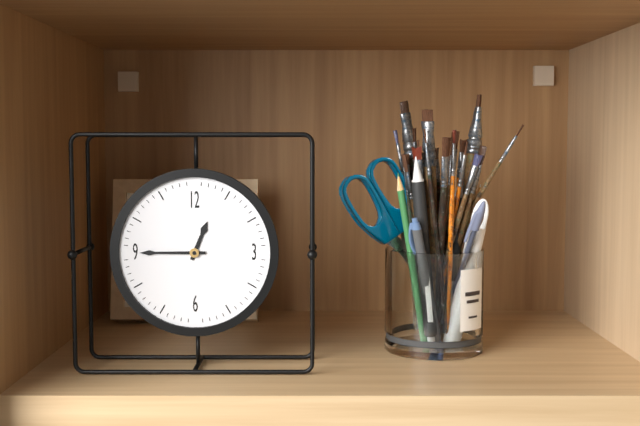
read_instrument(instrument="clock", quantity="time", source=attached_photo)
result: 12:45
